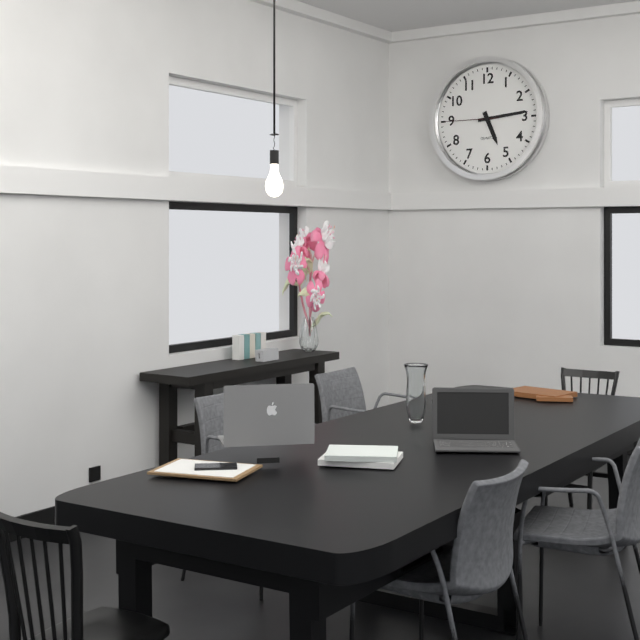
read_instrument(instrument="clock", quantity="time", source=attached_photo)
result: 5:14:45
